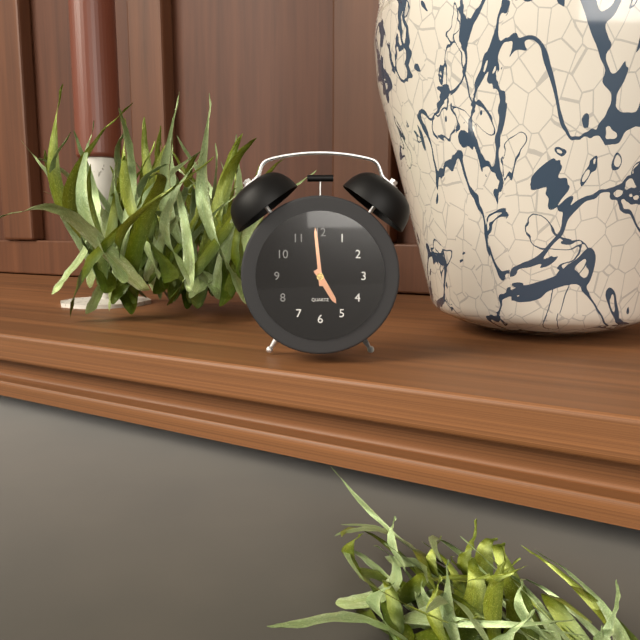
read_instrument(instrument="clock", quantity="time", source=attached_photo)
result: 4:59
